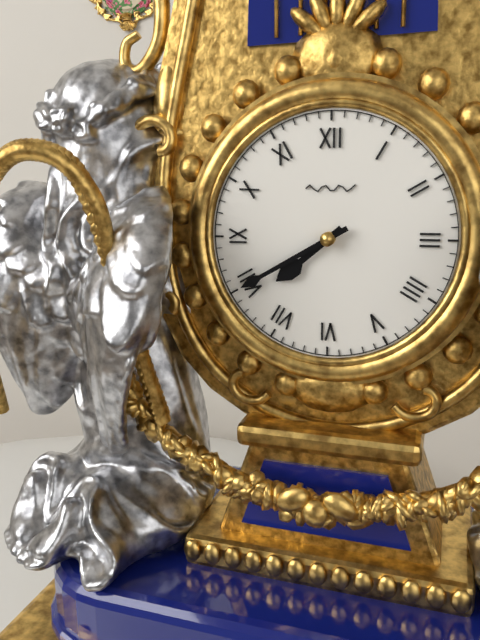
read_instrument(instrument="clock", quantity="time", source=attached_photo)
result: 7:40
